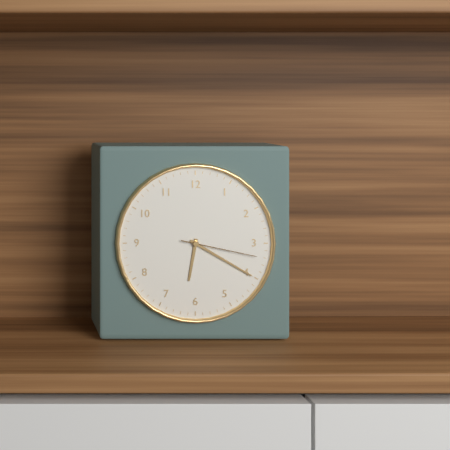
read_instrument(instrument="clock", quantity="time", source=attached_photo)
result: 6:20:17
